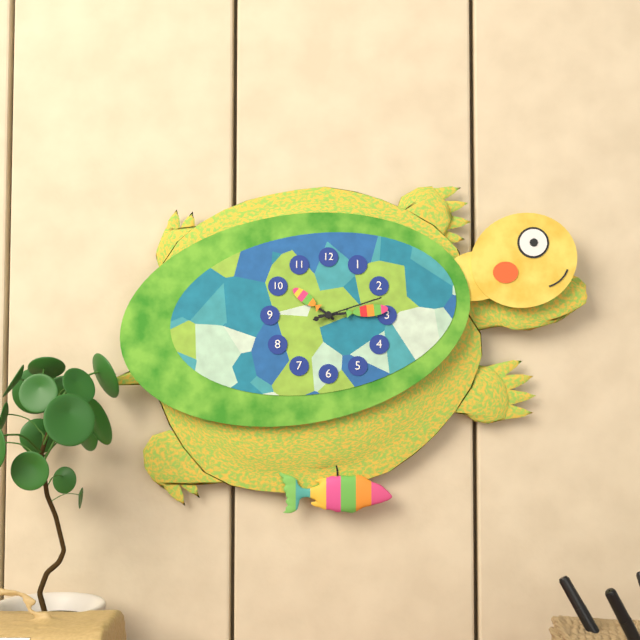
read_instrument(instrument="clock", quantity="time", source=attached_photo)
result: 10:14:12
